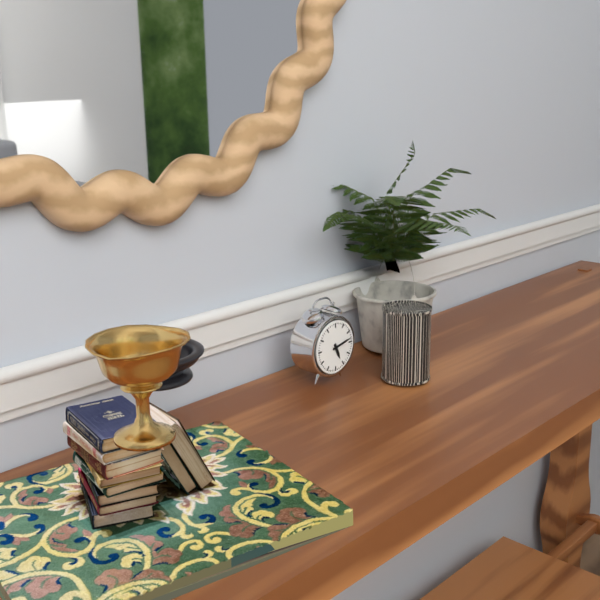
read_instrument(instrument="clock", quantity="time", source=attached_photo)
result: 5:13
